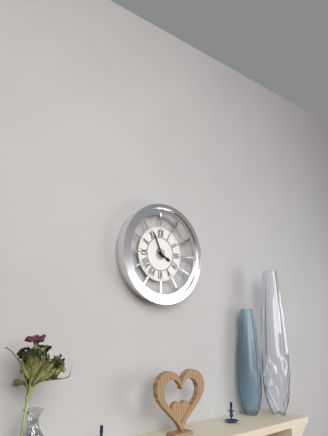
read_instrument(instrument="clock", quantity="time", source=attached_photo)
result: 3:56
